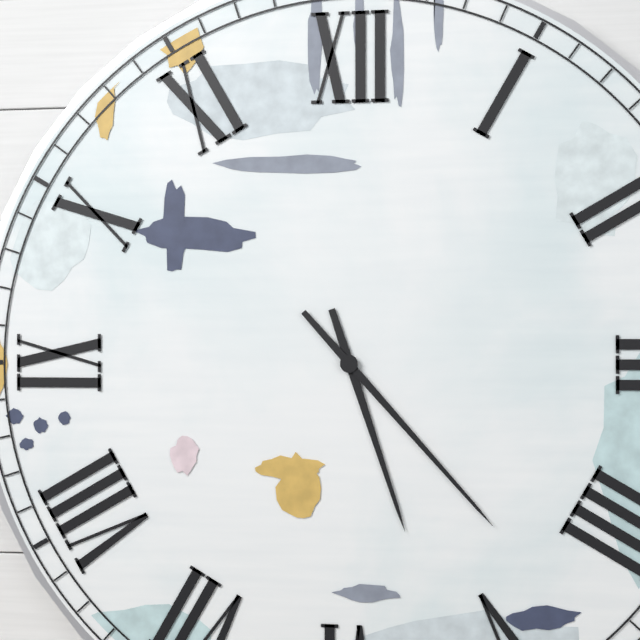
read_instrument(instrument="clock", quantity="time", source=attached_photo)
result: 5:23
